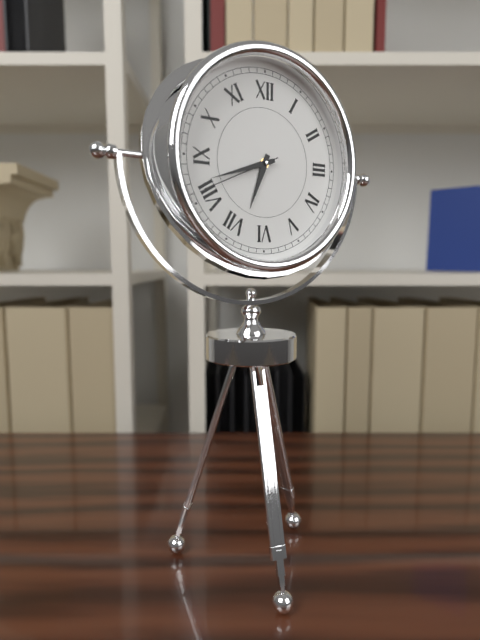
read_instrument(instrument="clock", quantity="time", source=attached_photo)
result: 6:42:41
